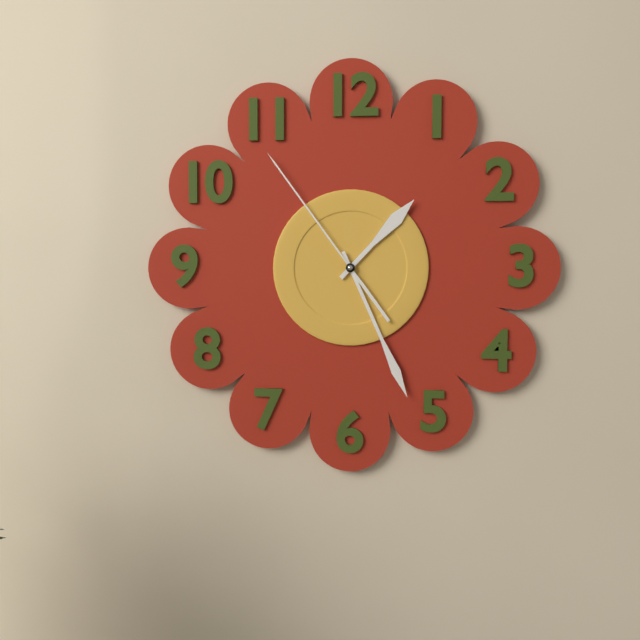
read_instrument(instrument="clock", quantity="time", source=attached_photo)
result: 1:26:54
